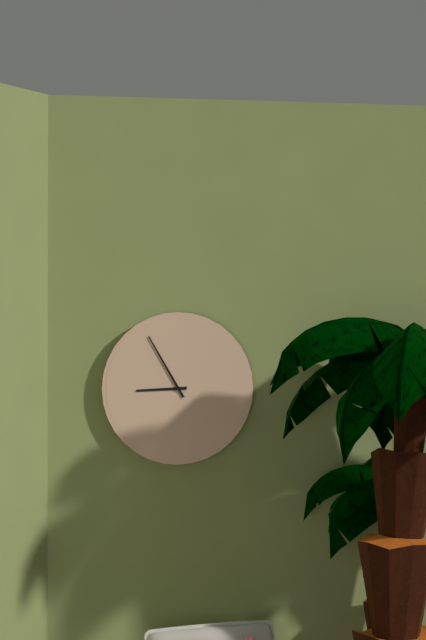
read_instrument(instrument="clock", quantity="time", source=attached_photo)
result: 8:55
